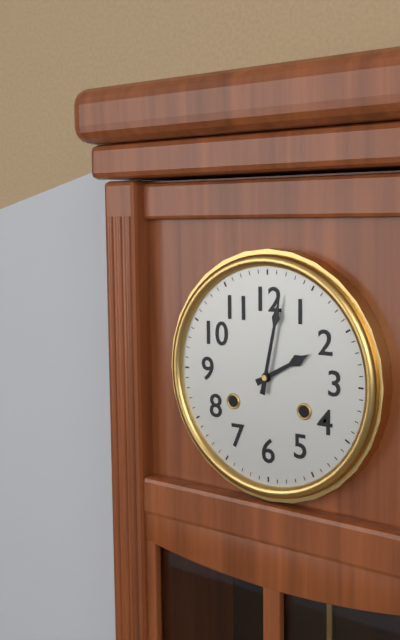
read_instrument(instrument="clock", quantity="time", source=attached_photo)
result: 2:02
